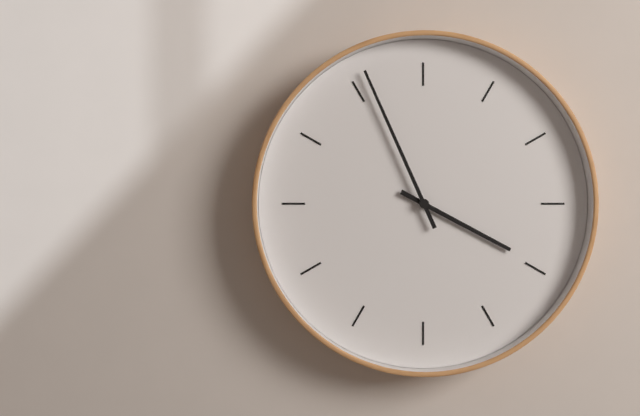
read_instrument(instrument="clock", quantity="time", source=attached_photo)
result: 3:56
